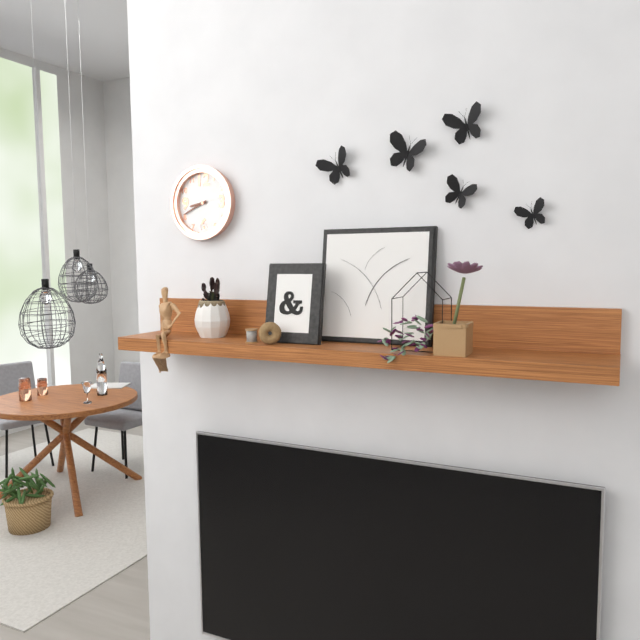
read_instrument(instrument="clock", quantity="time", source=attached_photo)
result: 8:41
